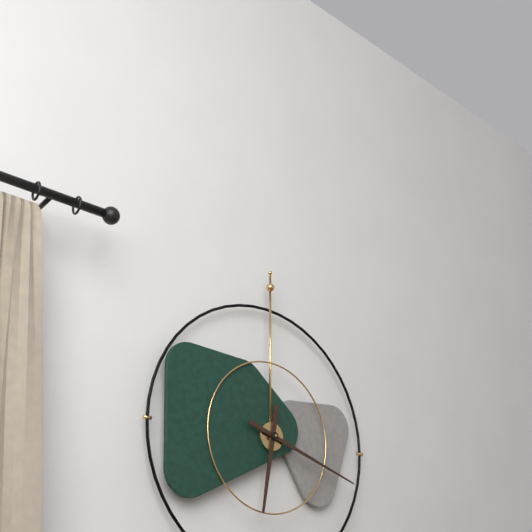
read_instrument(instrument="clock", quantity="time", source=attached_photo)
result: 6:18
